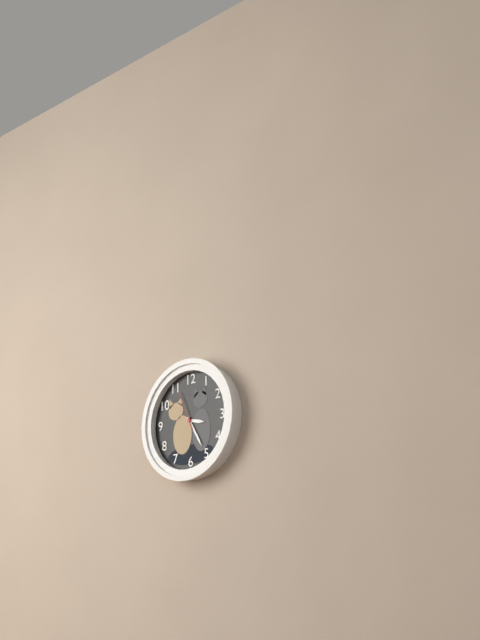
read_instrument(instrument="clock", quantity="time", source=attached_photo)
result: 3:25
